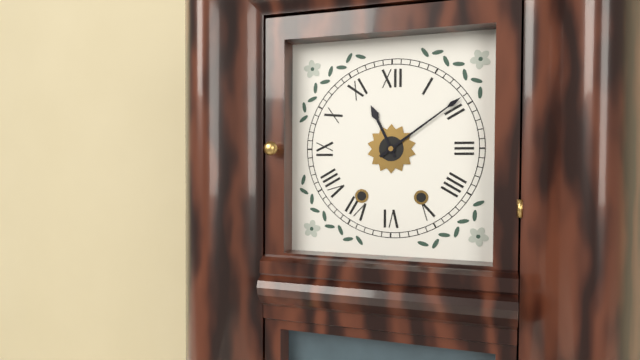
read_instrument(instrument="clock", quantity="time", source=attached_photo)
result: 11:09
